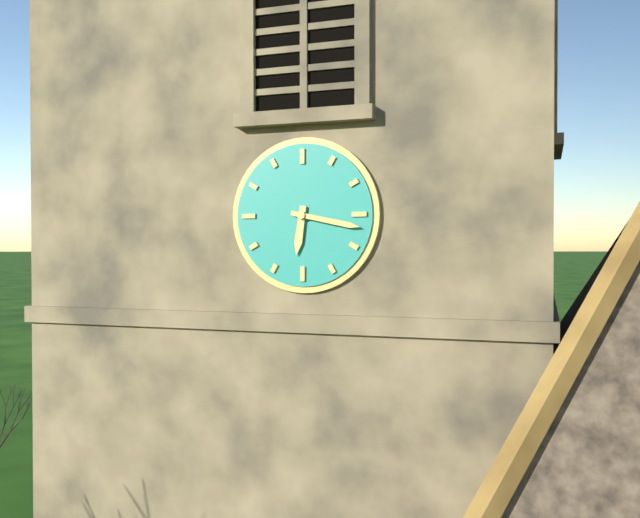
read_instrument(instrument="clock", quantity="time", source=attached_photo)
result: 6:17
